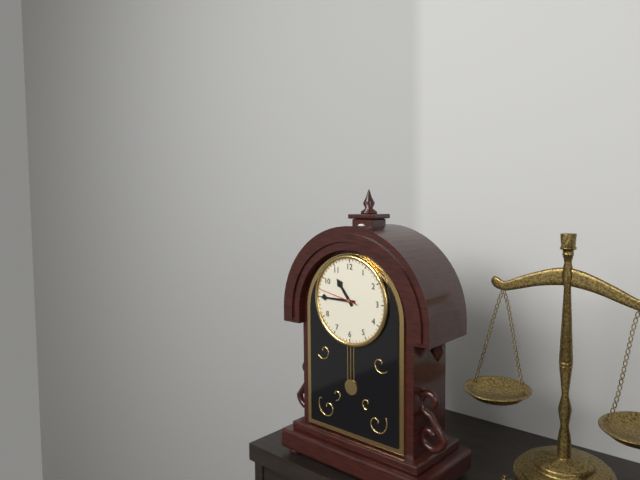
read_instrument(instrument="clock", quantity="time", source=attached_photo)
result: 10:45
